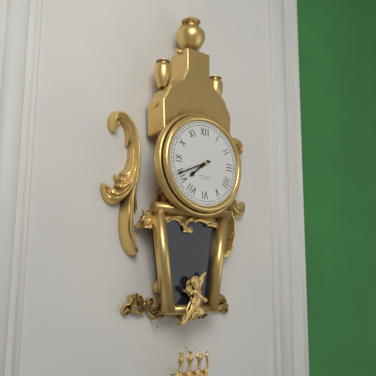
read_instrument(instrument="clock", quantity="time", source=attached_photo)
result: 7:41
